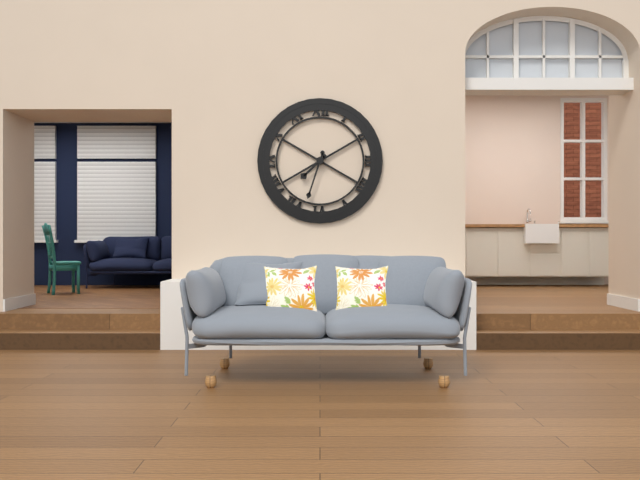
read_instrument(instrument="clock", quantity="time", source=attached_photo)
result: 7:33
